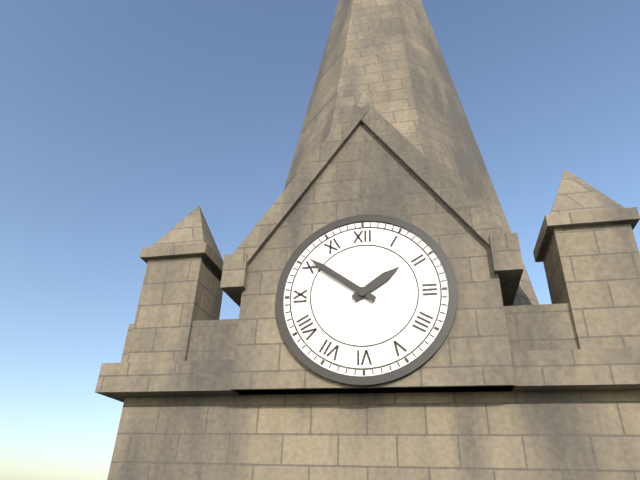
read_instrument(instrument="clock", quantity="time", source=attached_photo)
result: 1:51
